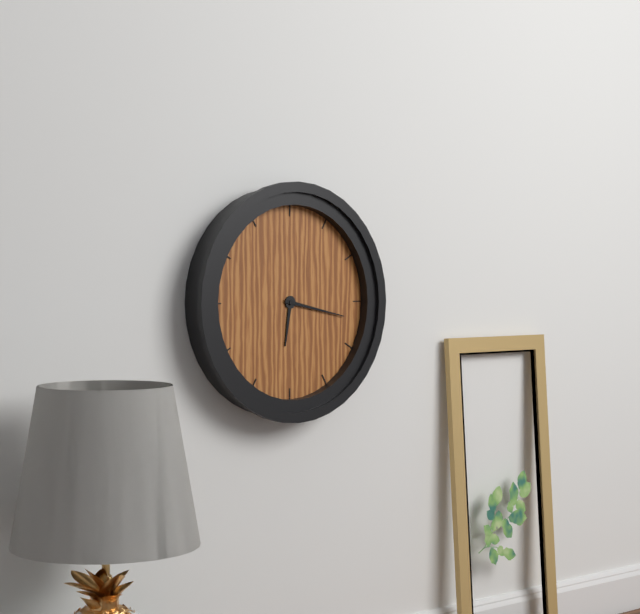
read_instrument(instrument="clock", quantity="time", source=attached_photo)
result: 6:17
